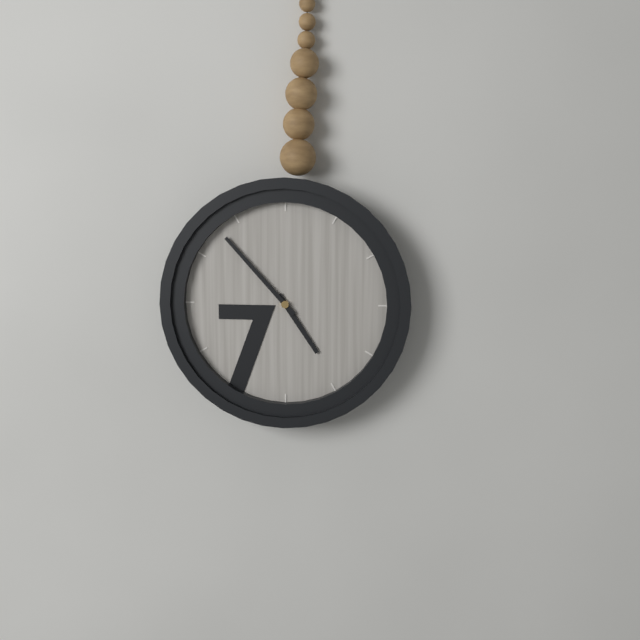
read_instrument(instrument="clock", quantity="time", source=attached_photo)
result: 4:53
